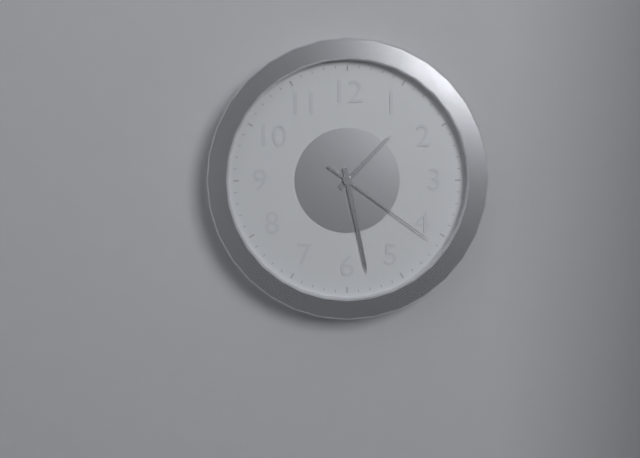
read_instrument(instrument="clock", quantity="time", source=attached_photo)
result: 1:28:21
